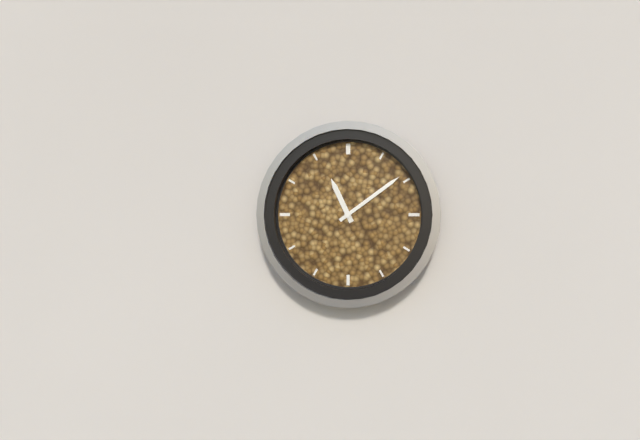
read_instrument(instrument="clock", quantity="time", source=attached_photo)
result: 11:09
